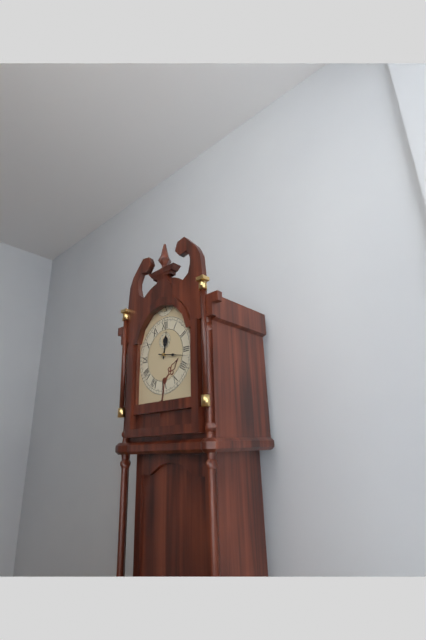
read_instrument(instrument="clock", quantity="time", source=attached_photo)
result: 12:17
